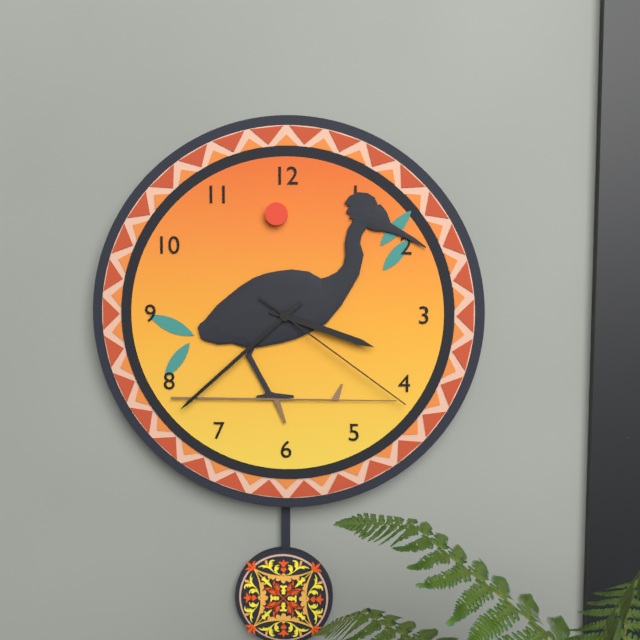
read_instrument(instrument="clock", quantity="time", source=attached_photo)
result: 3:38:21
